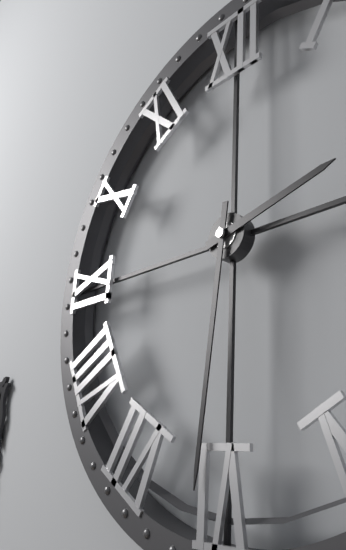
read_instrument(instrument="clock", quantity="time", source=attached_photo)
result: 2:31
